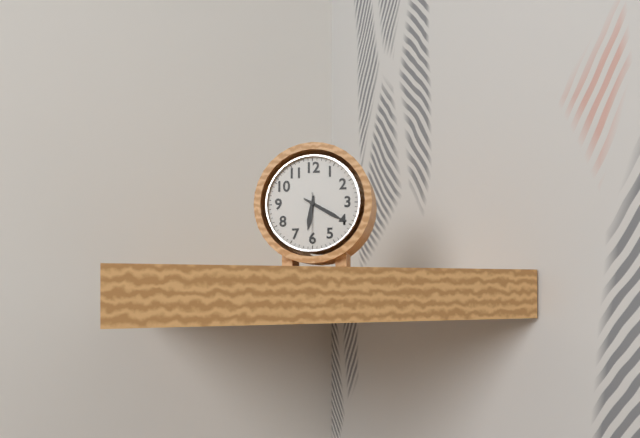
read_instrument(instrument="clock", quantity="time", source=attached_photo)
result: 6:20:30
